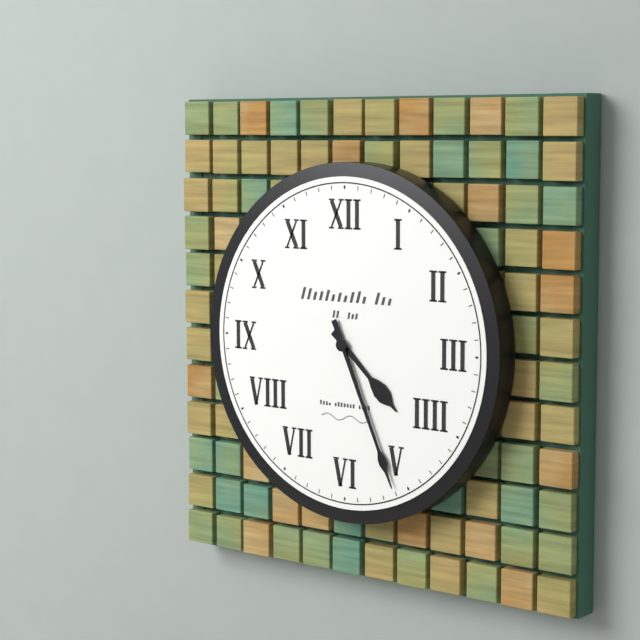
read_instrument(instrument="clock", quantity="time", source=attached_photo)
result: 4:26
